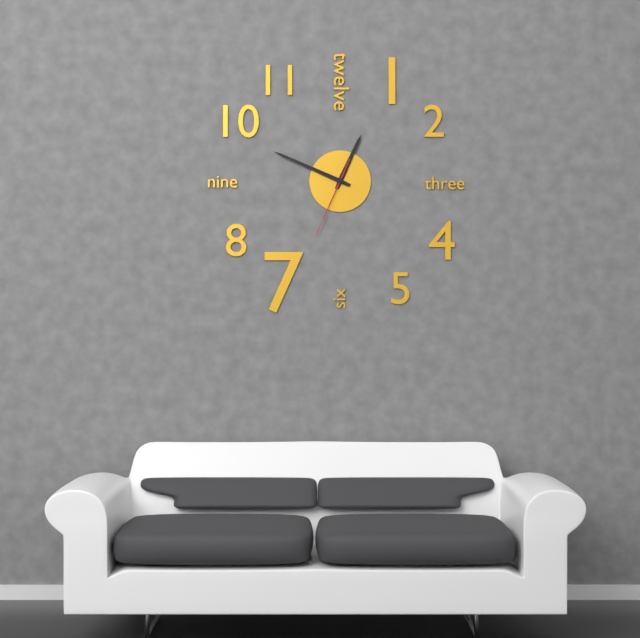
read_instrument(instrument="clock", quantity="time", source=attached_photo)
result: 12:49:34
